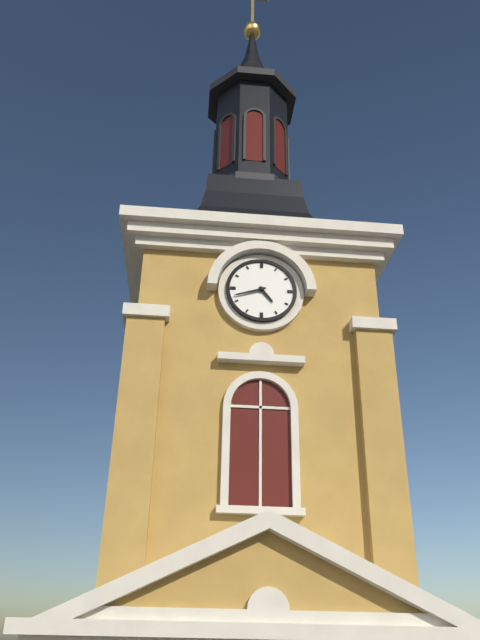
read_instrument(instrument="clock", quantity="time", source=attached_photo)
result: 4:42
